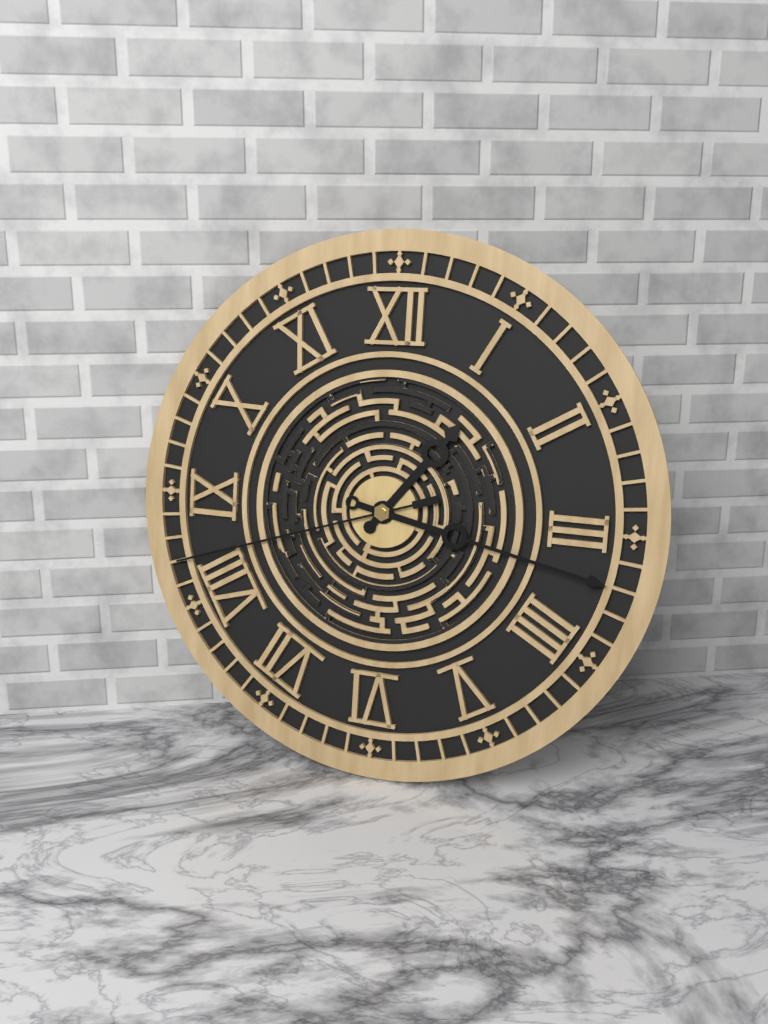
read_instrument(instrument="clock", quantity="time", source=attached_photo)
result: 1:17:42
